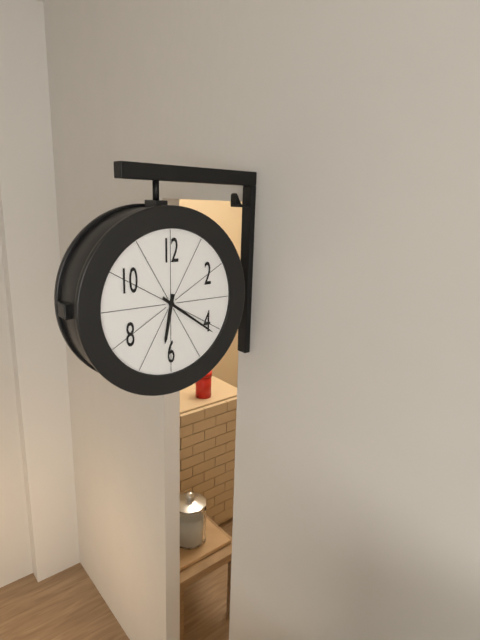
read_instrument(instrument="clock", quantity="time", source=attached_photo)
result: 6:21
